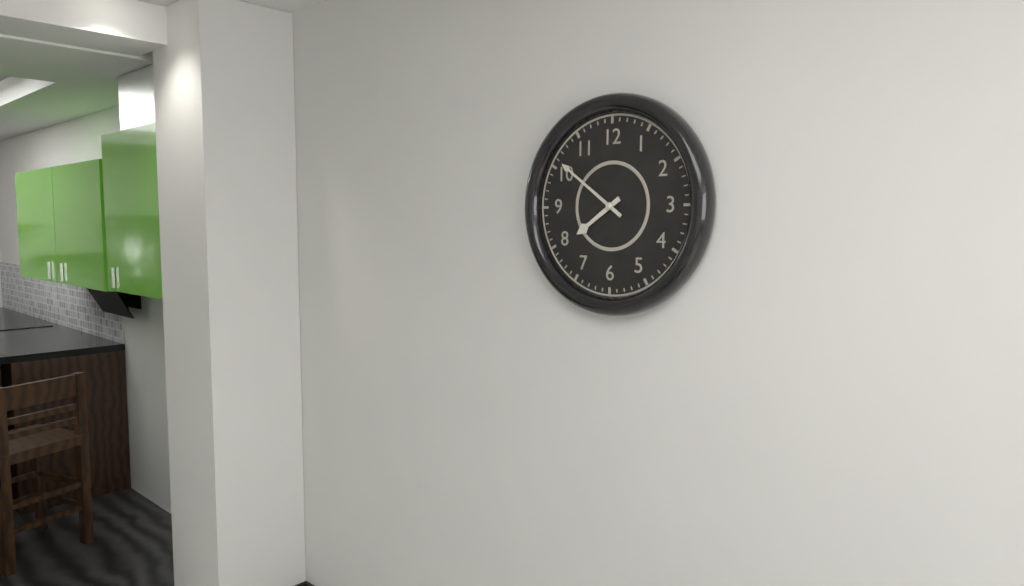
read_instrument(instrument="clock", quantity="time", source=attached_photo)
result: 7:51
